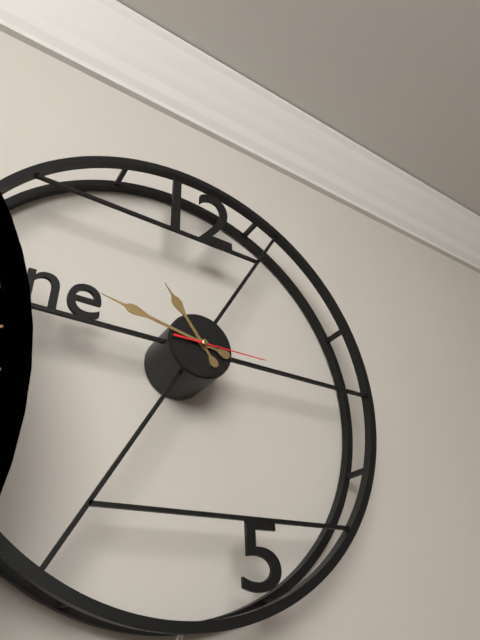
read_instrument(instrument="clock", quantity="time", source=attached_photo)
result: 10:47:15
